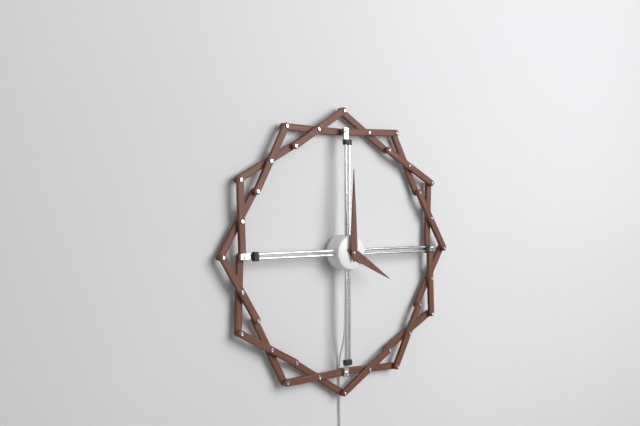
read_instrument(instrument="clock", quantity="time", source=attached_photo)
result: 4:00
